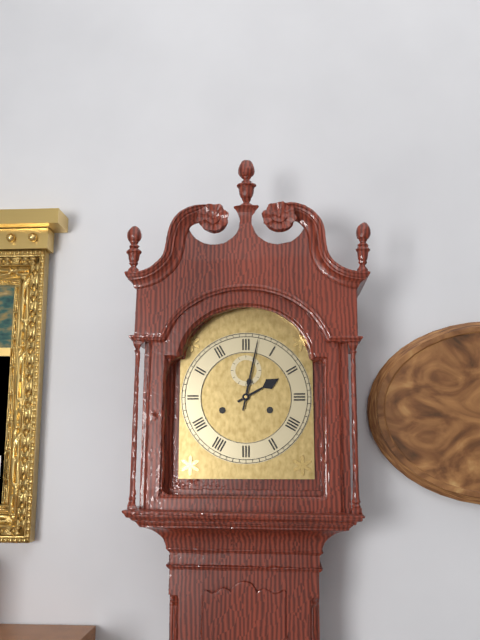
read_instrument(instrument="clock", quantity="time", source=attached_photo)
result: 2:02
